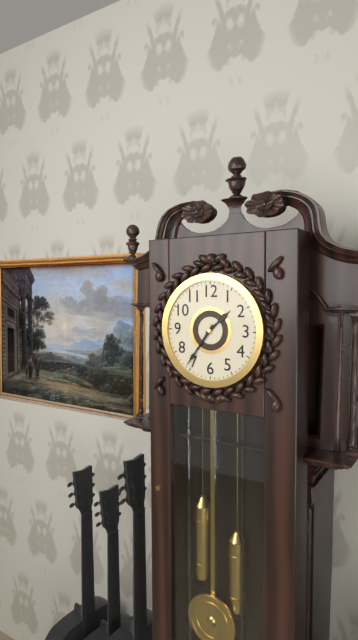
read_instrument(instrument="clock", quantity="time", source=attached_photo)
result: 1:36
